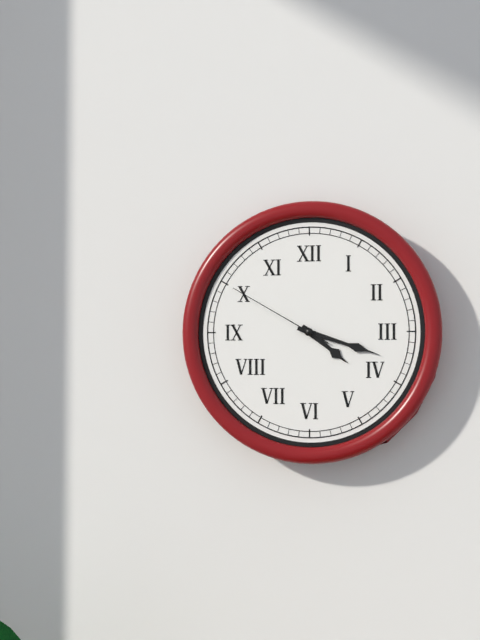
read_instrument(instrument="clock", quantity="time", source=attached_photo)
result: 4:18:50
